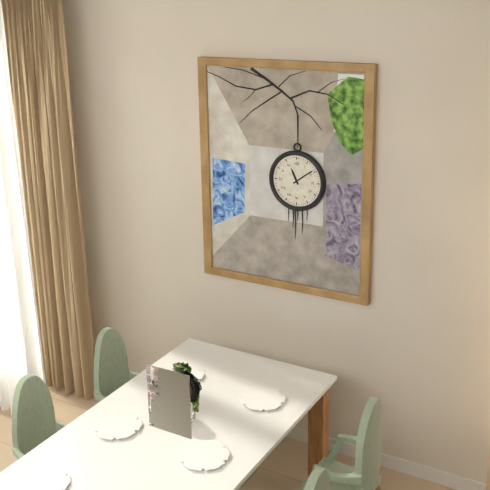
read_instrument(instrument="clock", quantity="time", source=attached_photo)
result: 11:09
